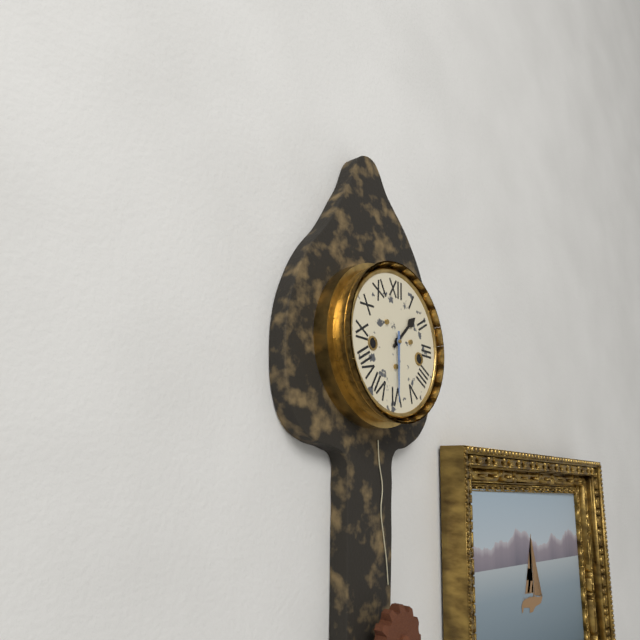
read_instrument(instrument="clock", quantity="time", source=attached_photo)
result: 1:30
